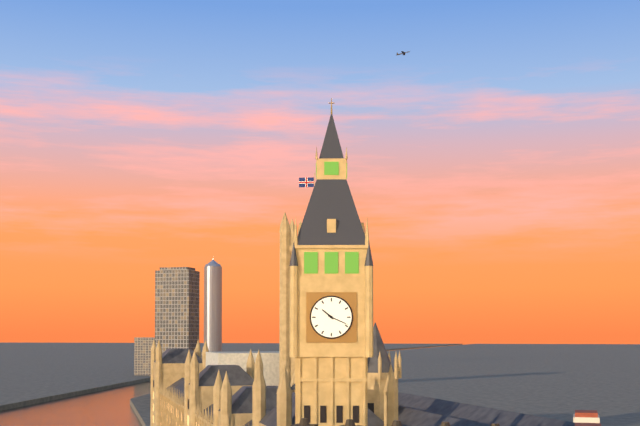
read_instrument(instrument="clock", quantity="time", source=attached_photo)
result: 10:19
